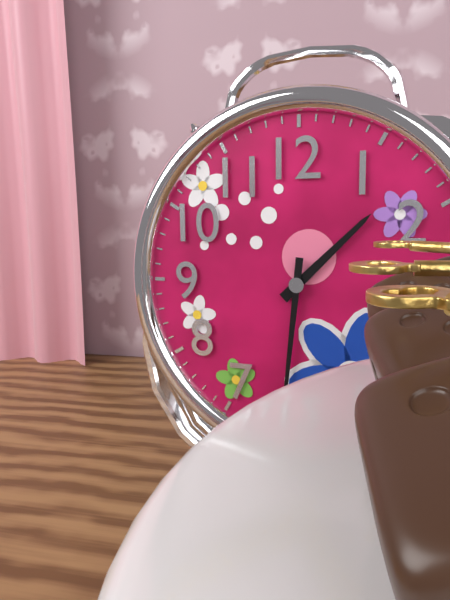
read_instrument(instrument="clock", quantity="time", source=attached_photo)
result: 1:31
